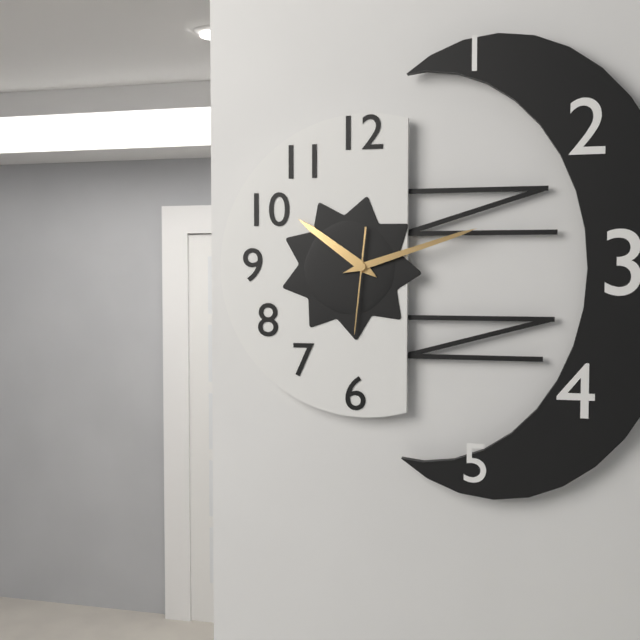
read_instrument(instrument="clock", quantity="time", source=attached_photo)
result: 10:12:31
